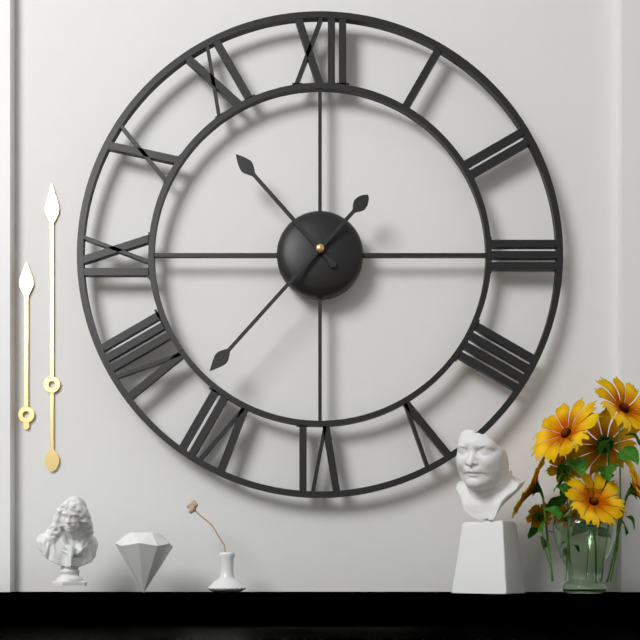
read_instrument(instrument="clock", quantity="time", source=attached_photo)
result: 10:37
